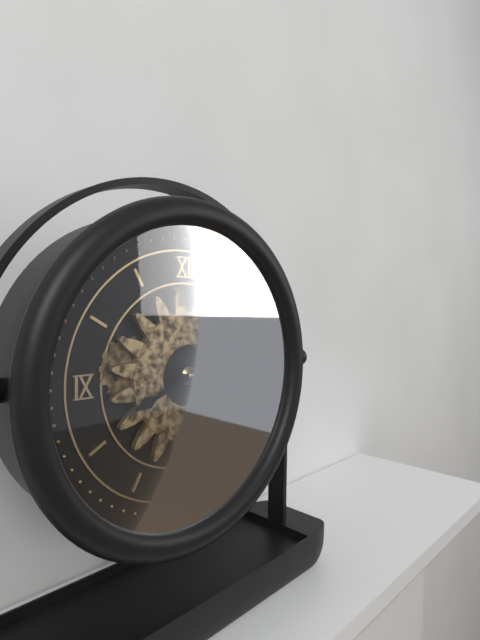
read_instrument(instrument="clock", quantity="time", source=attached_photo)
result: 8:16
